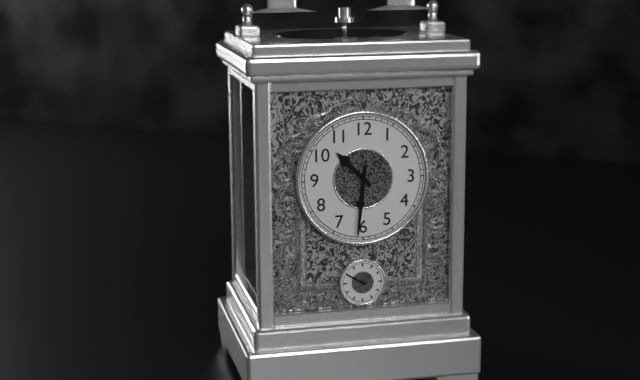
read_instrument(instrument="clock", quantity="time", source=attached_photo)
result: 10:31
